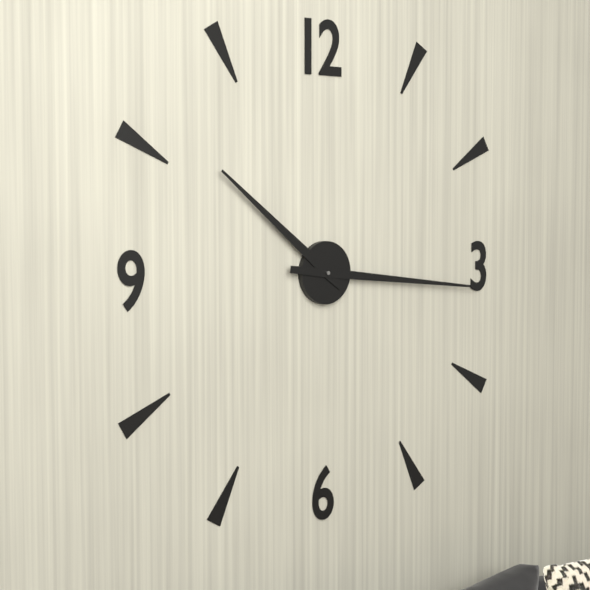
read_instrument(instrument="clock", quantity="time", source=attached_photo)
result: 10:16
